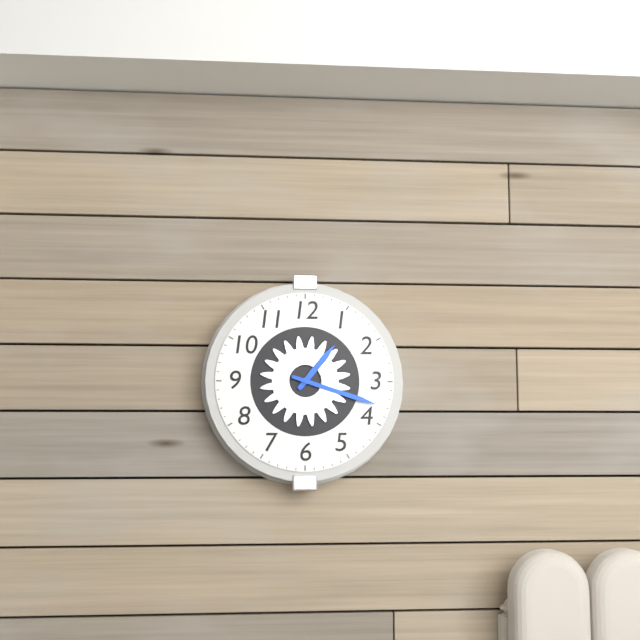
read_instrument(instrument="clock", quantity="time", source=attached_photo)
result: 1:18
